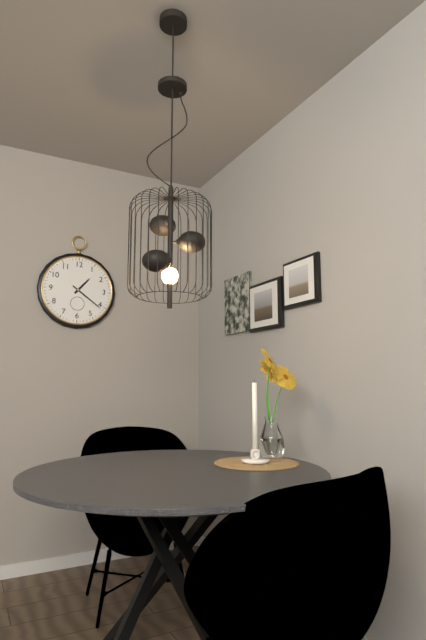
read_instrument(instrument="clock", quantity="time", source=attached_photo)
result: 1:21
